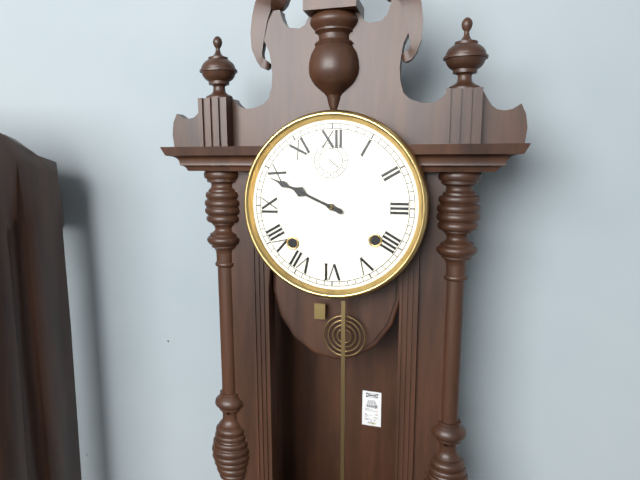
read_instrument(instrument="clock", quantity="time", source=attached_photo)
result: 9:49
